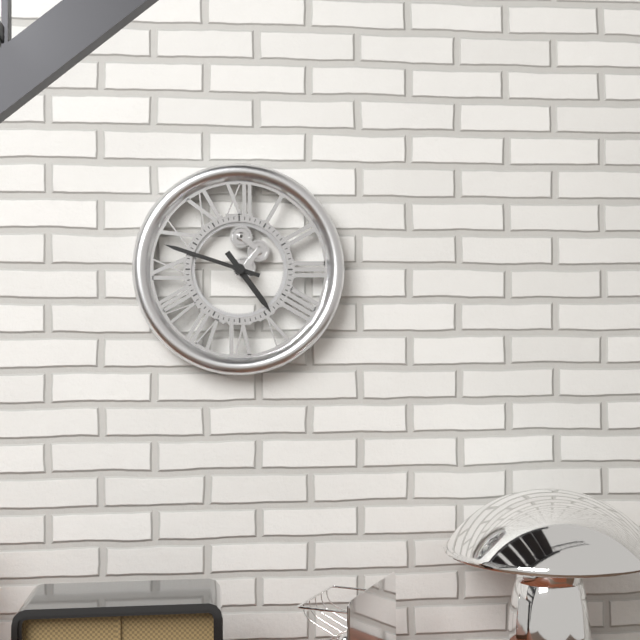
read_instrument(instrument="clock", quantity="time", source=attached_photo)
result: 4:48
